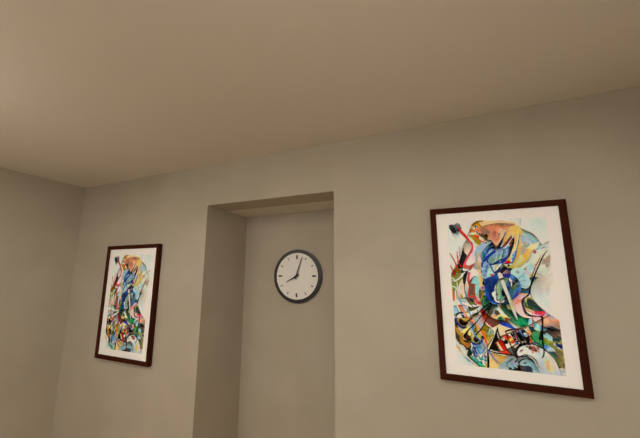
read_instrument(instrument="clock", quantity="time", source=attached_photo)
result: 8:03
